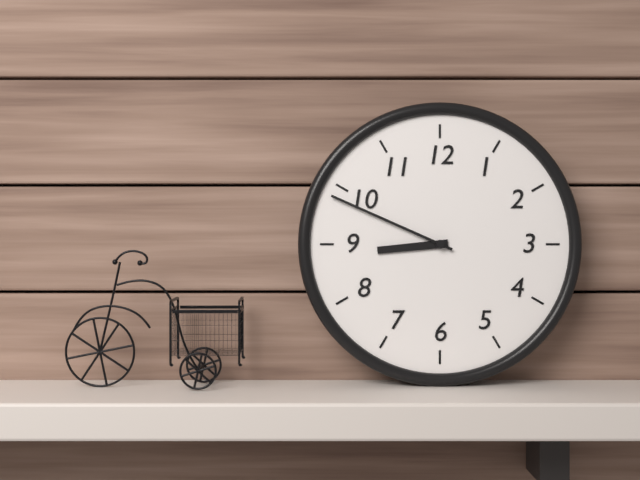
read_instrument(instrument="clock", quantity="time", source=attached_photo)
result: 8:49
